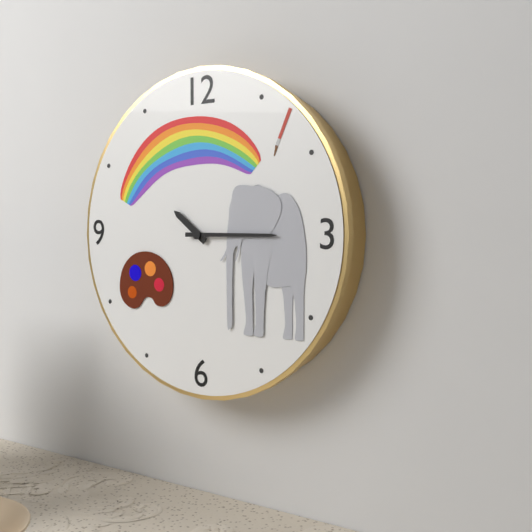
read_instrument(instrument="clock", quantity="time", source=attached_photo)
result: 10:15
